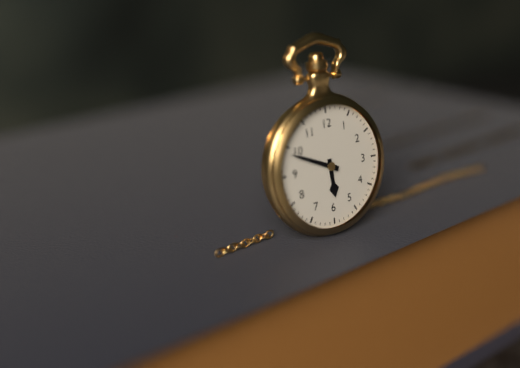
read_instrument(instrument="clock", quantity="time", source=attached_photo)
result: 5:49
